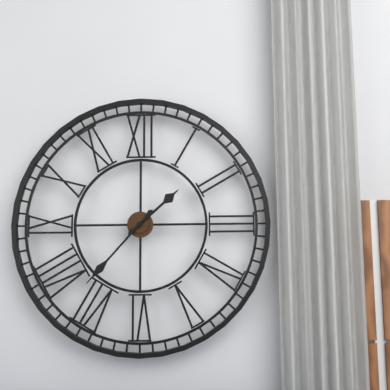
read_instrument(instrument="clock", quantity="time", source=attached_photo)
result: 1:37
